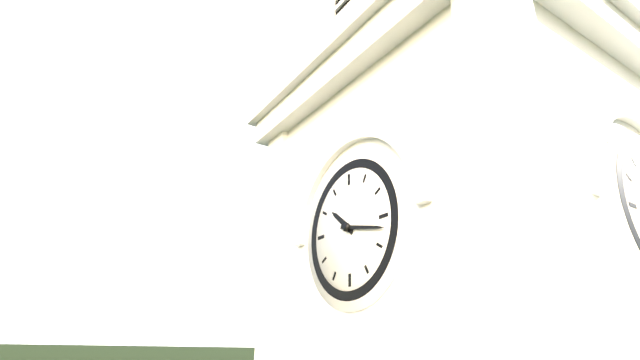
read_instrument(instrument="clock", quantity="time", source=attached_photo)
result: 10:17
